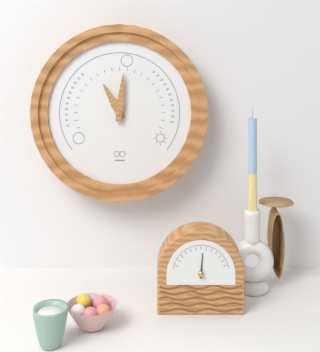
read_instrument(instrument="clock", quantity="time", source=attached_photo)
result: 11:01
